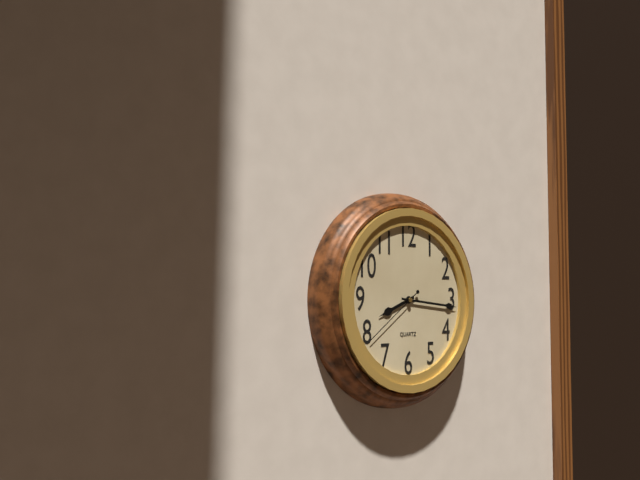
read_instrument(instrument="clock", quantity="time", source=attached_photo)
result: 8:16:39
